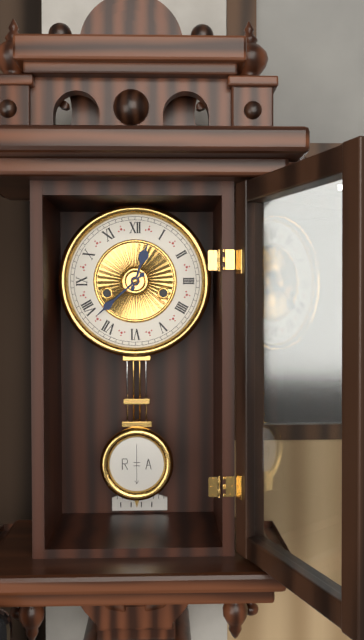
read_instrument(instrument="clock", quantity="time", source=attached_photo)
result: 12:38
